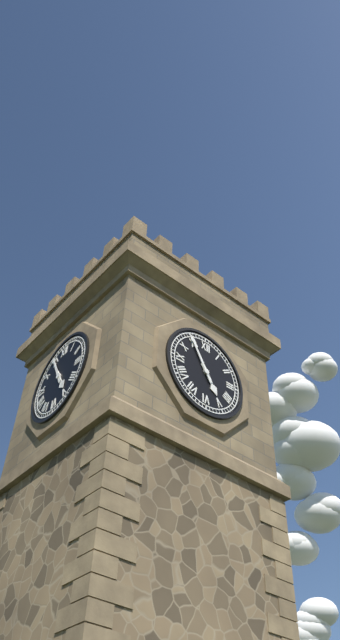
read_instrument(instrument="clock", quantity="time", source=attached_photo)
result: 4:55
